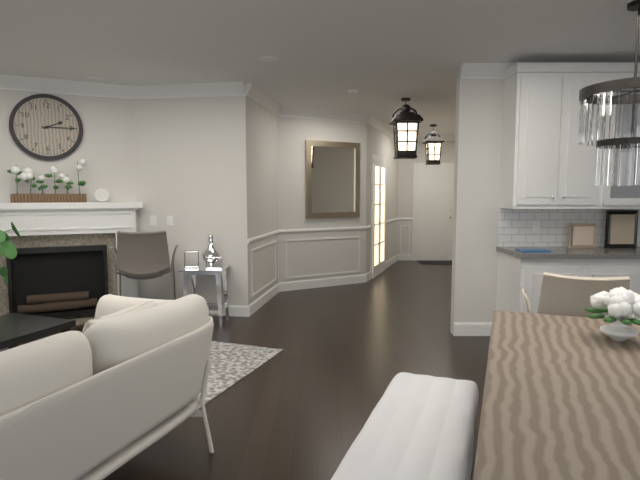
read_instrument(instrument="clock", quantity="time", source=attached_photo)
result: 2:15
